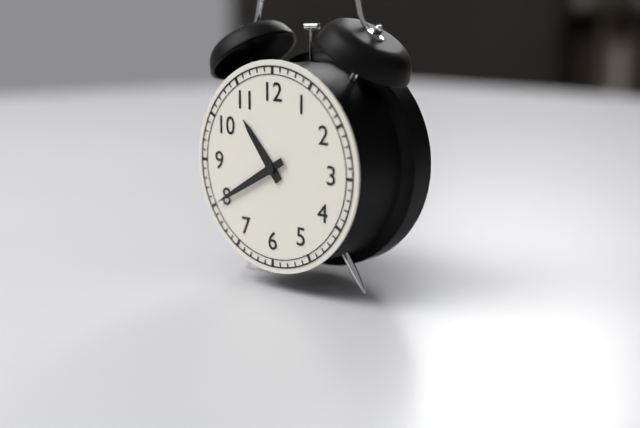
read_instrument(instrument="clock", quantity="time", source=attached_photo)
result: 10:40
